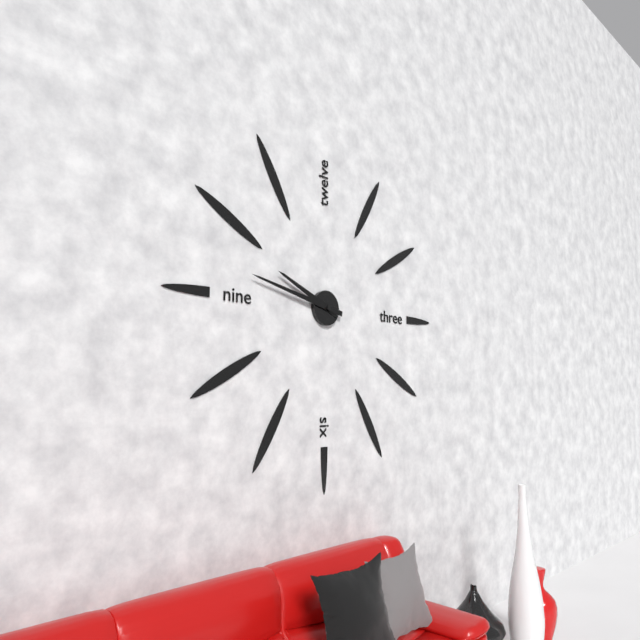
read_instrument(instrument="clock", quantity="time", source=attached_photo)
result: 9:47
